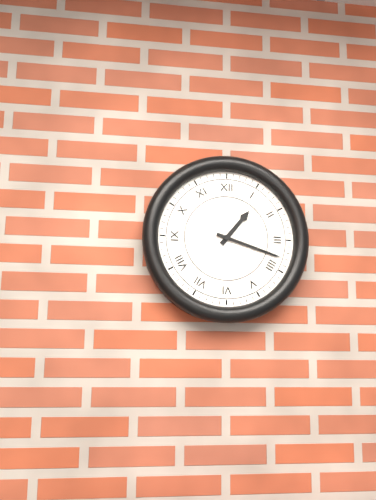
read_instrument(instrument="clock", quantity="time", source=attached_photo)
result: 1:18
